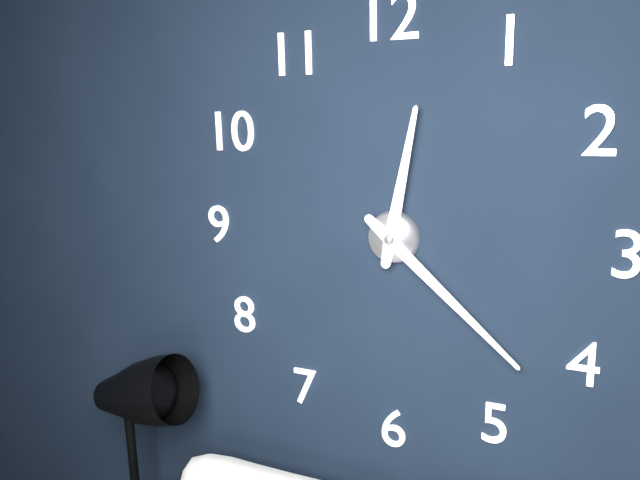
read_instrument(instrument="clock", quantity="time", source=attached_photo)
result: 12:22
